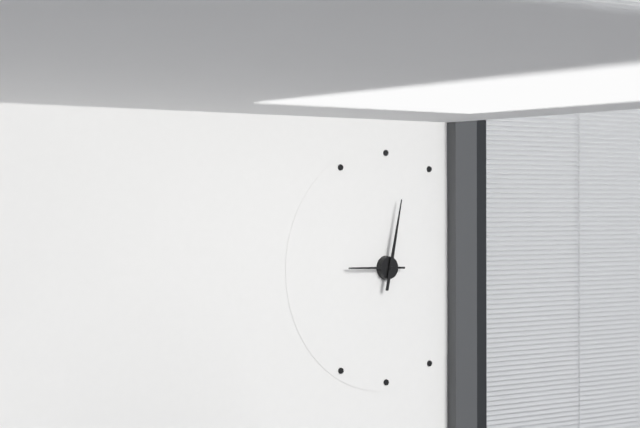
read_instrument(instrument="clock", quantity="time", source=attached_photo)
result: 9:02
